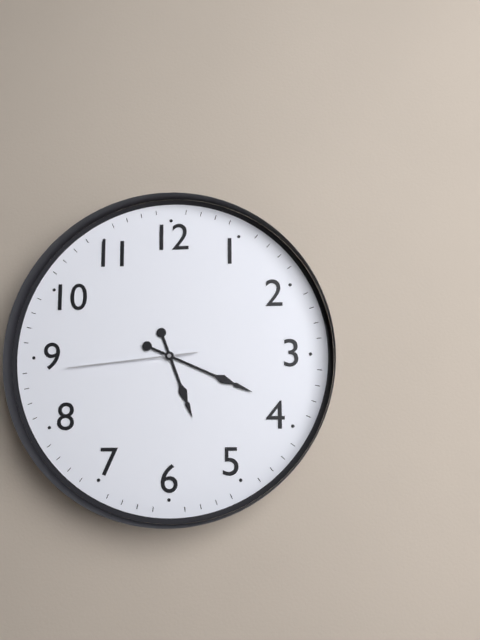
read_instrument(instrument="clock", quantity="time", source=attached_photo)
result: 5:19:44
